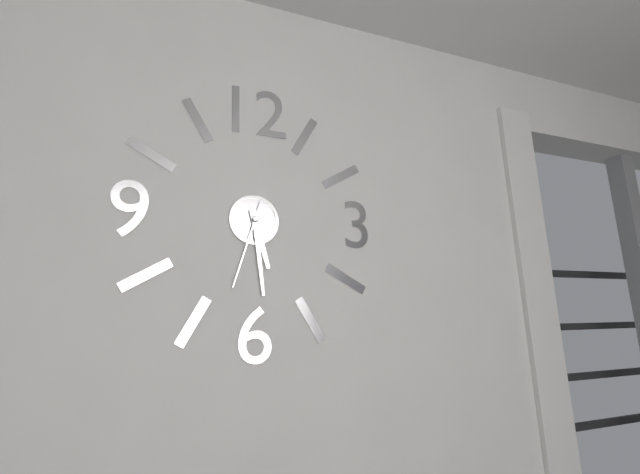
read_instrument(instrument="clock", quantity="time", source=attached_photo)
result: 5:29:33
